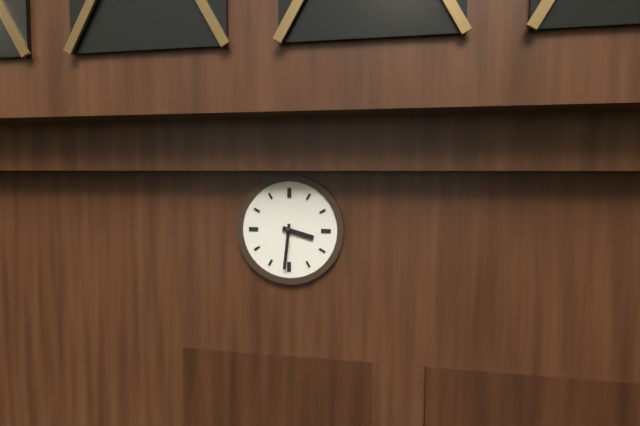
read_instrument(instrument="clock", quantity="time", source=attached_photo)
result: 3:31
